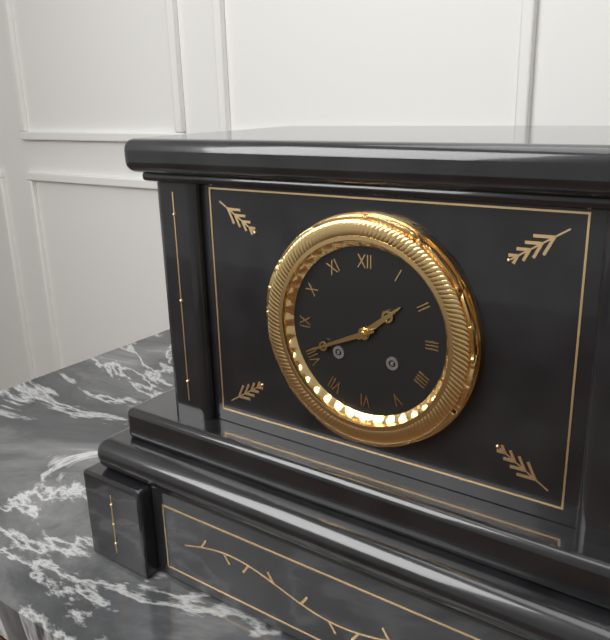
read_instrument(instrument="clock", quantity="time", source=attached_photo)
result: 1:41
